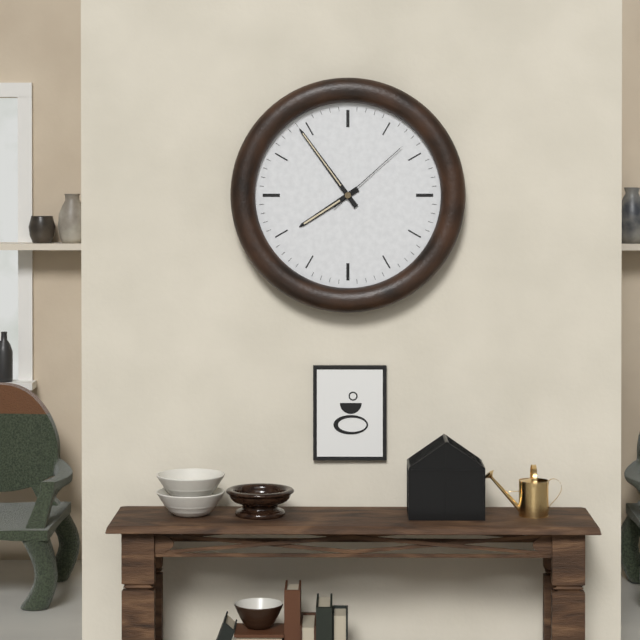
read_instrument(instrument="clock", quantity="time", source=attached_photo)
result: 7:54:08
